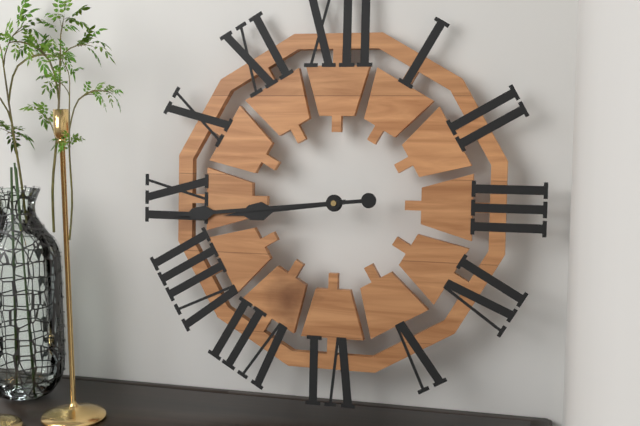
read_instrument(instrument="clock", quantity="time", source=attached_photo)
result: 8:44
